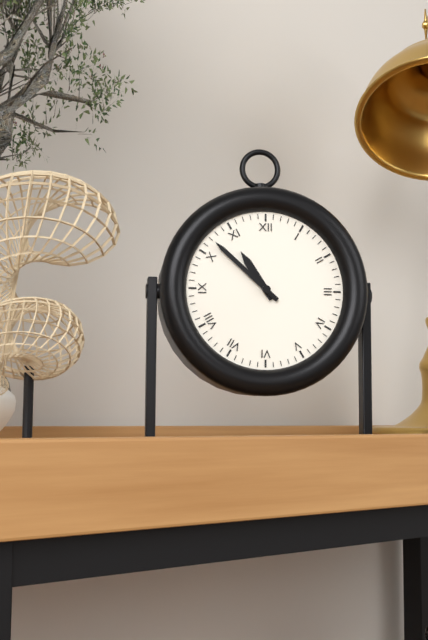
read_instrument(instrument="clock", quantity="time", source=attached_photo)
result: 10:52
